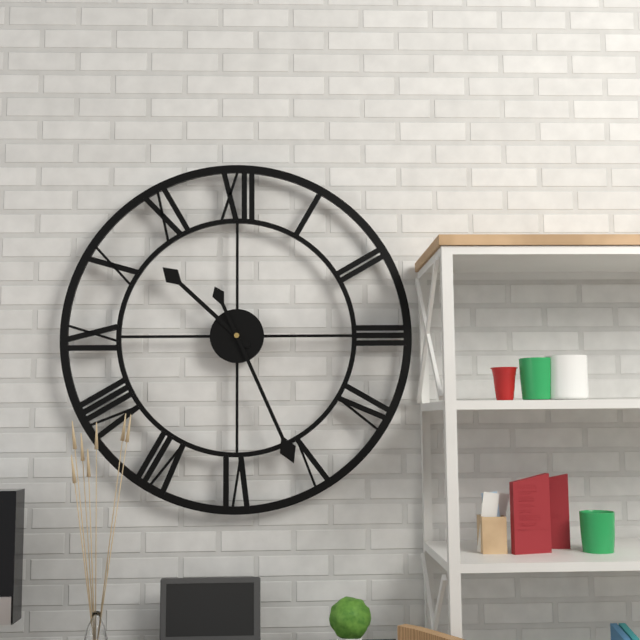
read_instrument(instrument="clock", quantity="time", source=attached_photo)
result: 10:26
